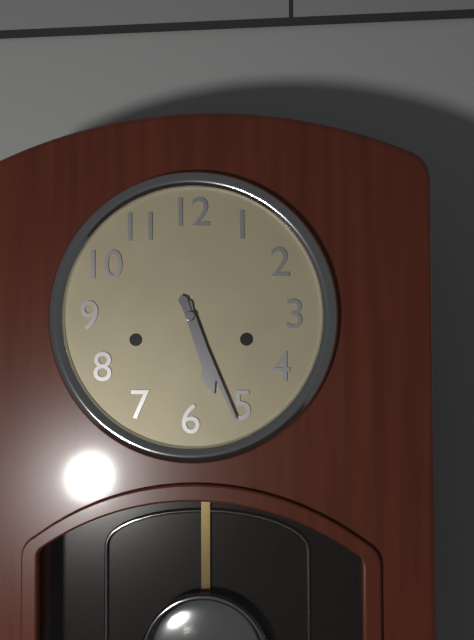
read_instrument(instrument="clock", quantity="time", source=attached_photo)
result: 5:26
